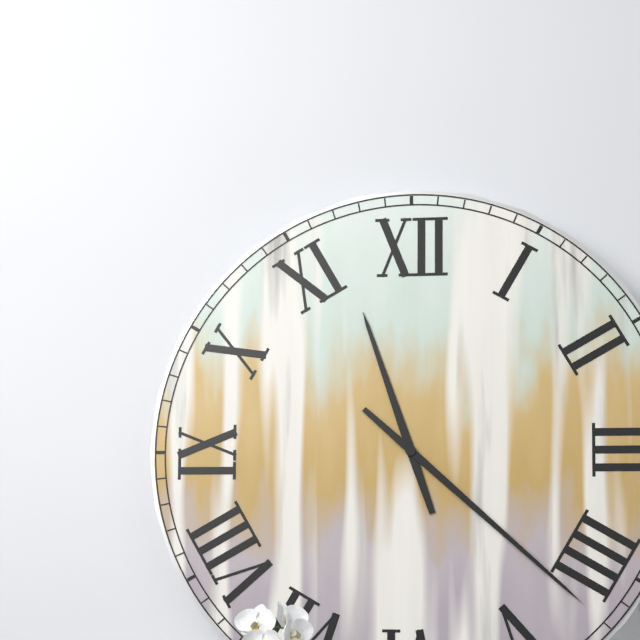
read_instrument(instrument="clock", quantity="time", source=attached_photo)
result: 11:22
